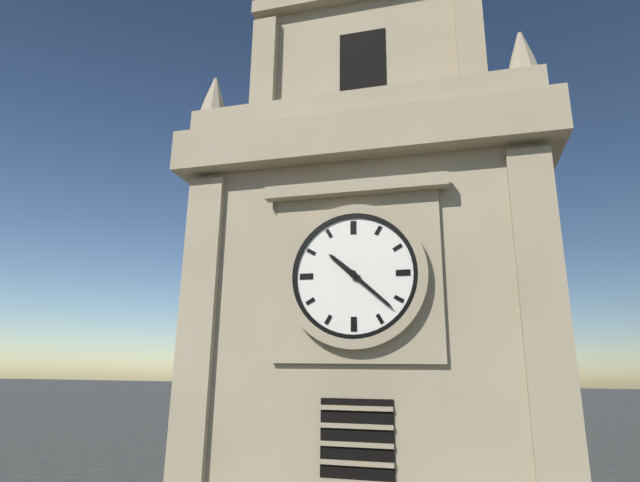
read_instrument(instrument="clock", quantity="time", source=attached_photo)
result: 10:22
